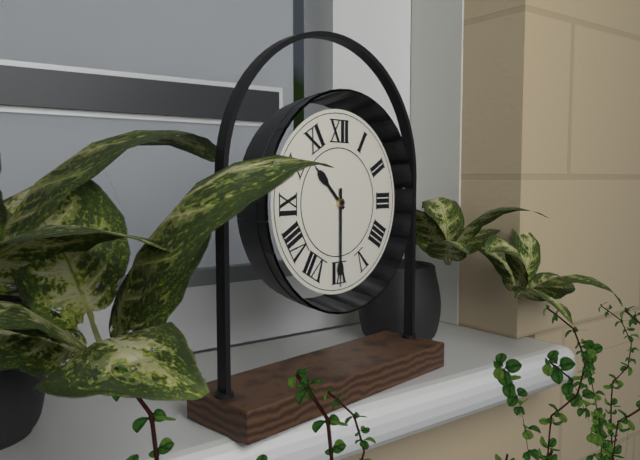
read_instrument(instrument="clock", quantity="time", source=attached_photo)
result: 10:30
